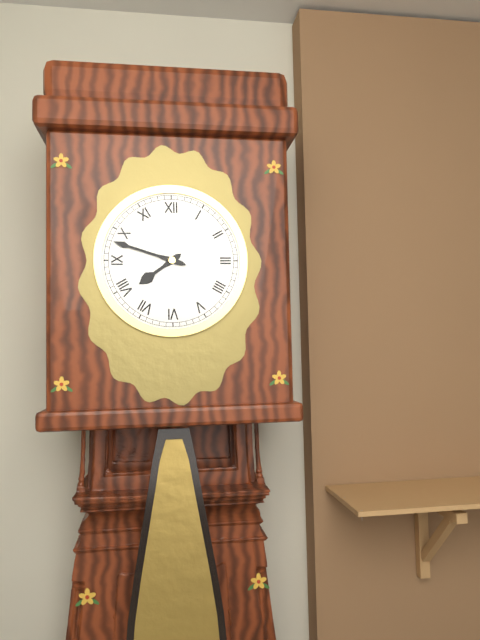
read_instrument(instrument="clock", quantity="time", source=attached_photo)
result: 7:48
